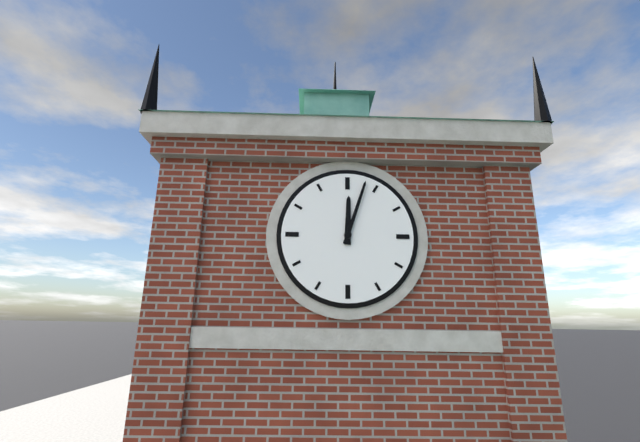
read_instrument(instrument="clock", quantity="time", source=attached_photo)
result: 12:03
